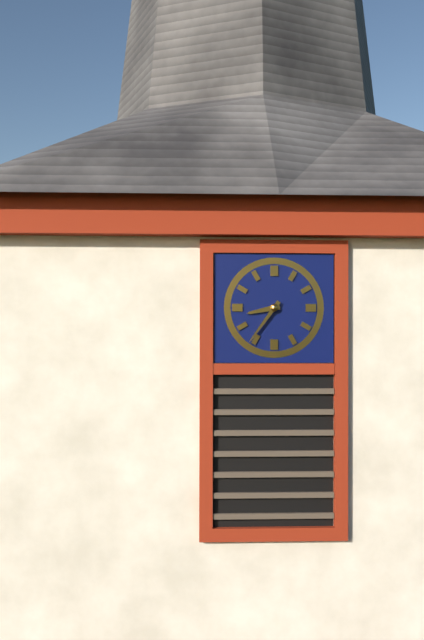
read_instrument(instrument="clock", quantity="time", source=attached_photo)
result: 8:36
